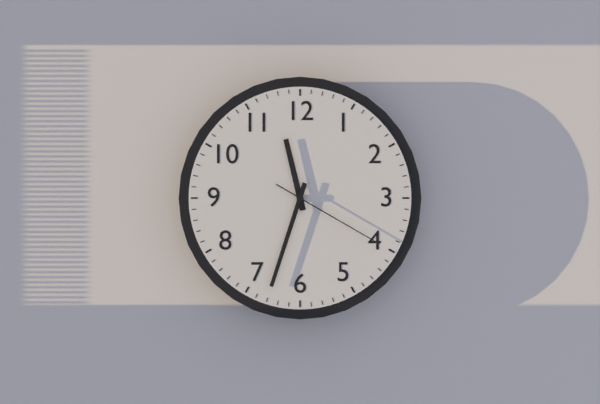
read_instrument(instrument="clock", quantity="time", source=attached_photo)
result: 11:33:20
